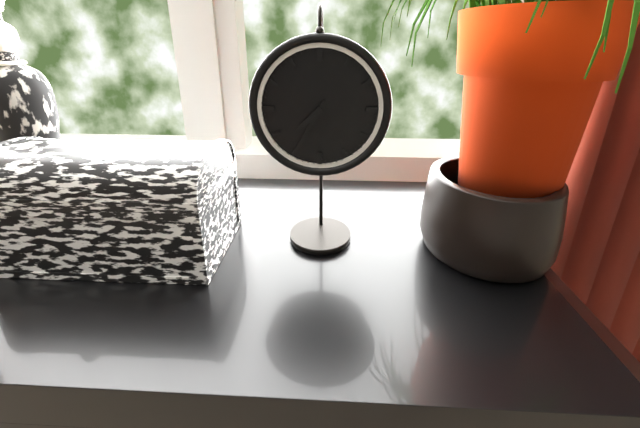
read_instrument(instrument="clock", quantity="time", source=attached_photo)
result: 7:35
